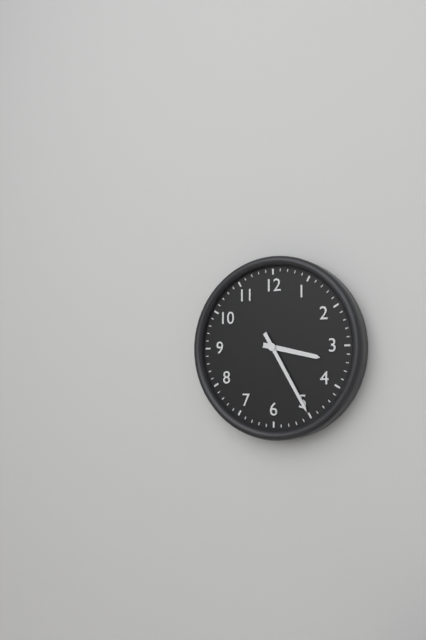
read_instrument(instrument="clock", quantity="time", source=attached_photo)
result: 3:25
